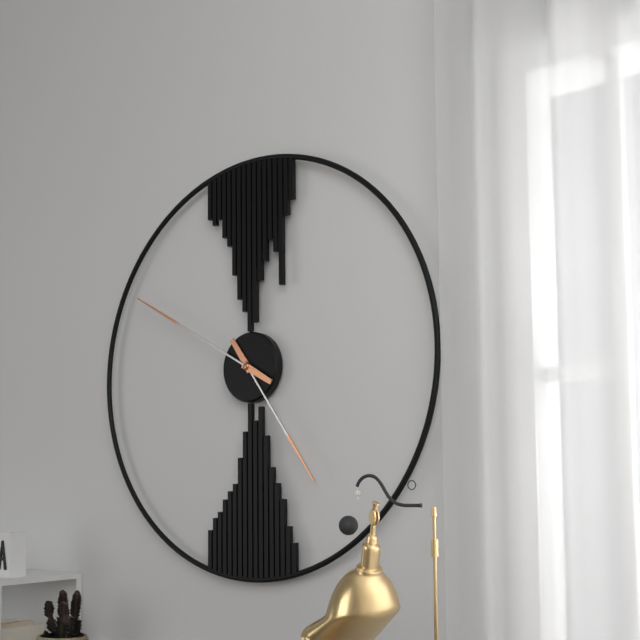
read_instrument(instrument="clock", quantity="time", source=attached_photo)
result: 4:50
